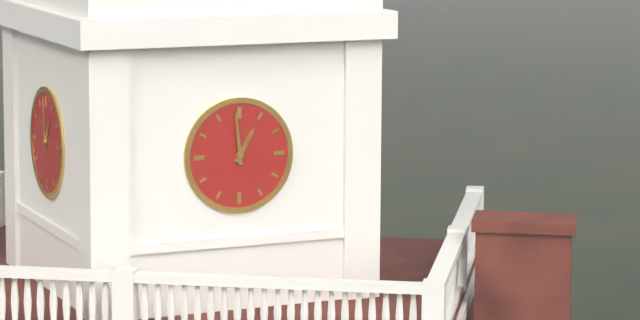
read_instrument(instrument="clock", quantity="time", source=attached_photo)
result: 12:59
